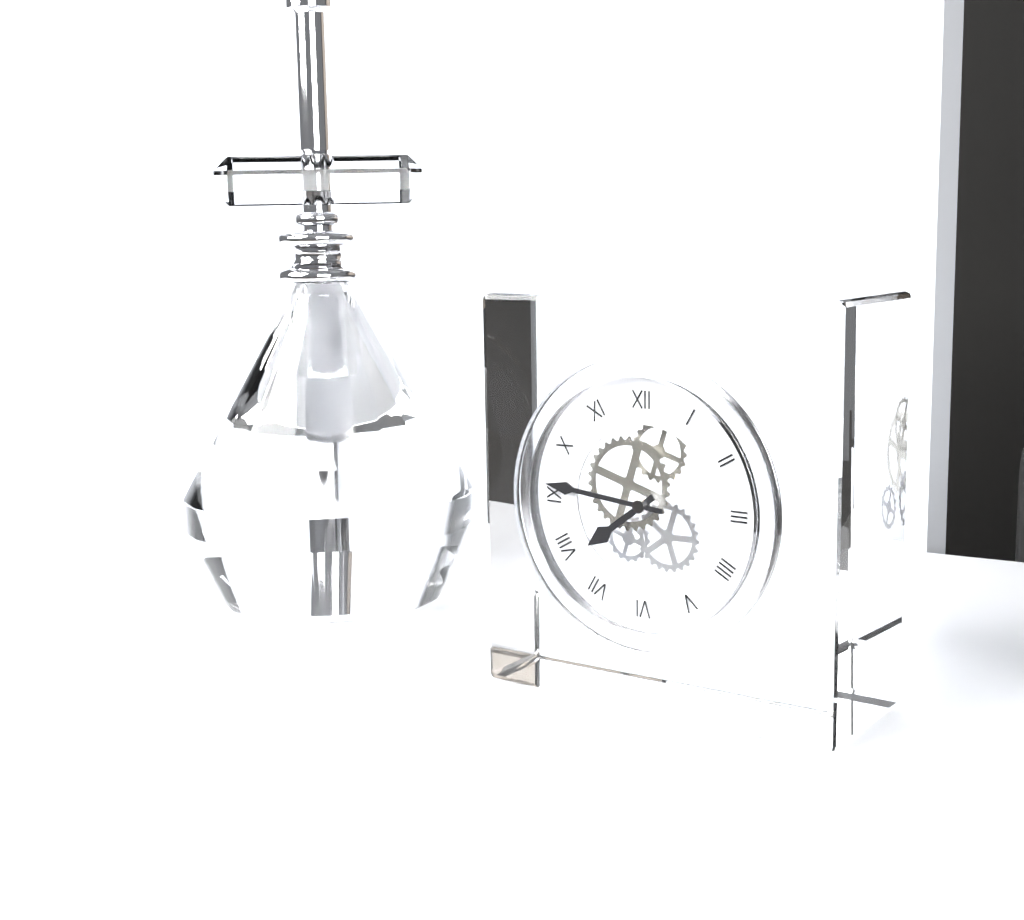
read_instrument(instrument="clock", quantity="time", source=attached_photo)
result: 7:46
